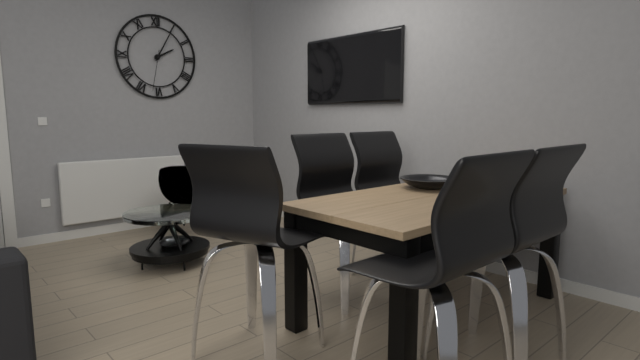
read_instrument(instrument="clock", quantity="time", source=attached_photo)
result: 2:05
